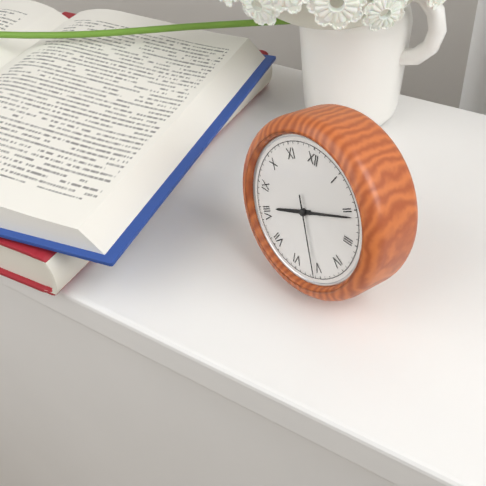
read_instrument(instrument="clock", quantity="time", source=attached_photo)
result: 8:11:26
